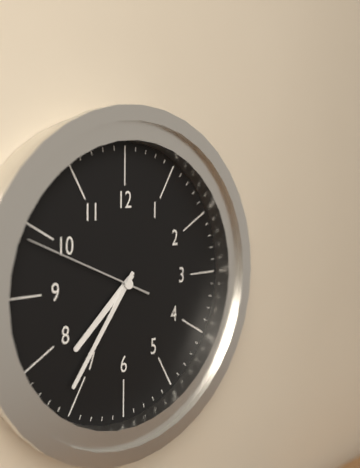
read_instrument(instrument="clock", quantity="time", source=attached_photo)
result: 7:36:49
